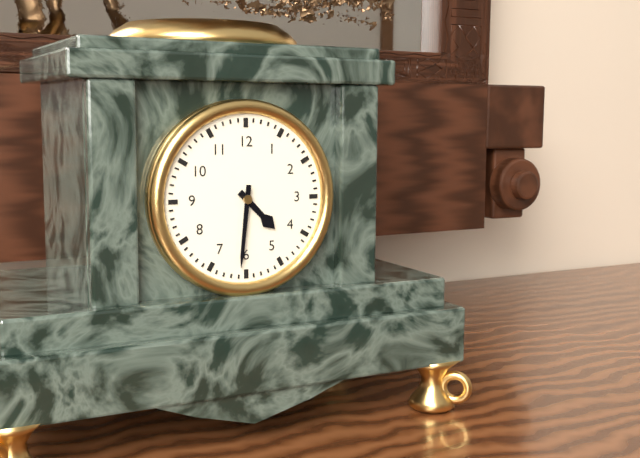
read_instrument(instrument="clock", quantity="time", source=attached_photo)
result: 4:31
